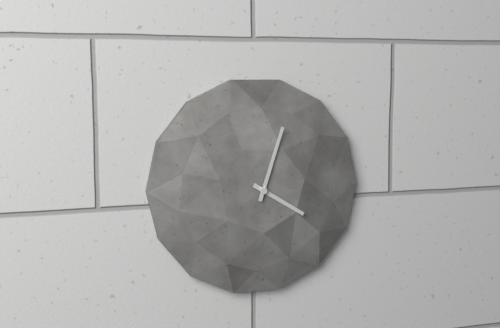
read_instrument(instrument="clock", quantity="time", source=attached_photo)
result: 4:03
